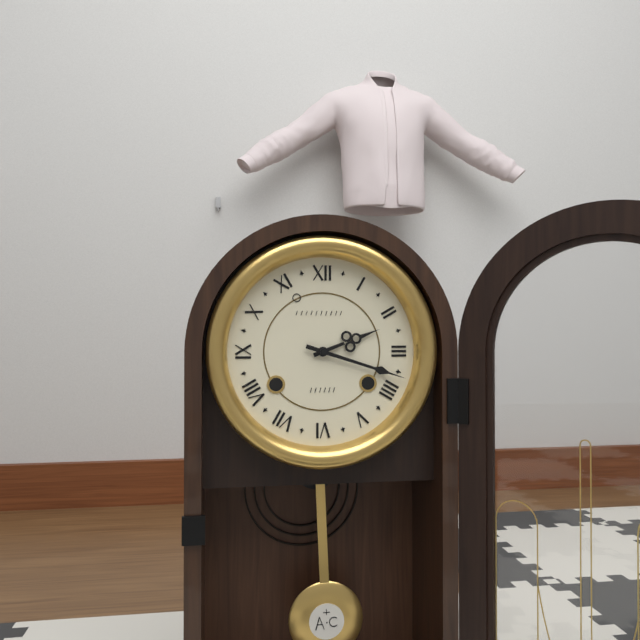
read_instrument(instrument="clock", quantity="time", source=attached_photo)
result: 2:18
